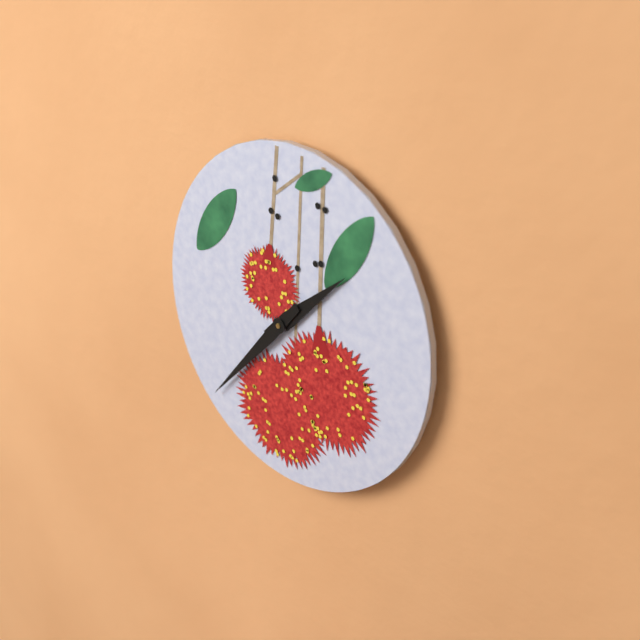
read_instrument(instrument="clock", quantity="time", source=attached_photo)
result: 1:37
